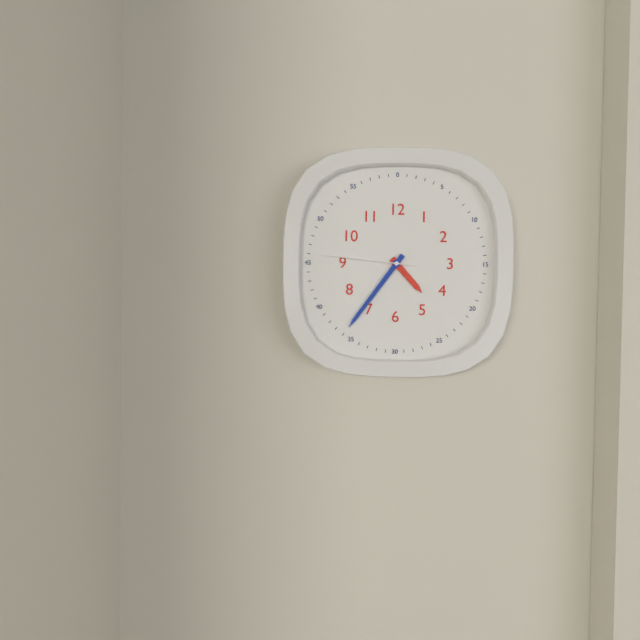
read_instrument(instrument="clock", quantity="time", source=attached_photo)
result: 4:36:46
